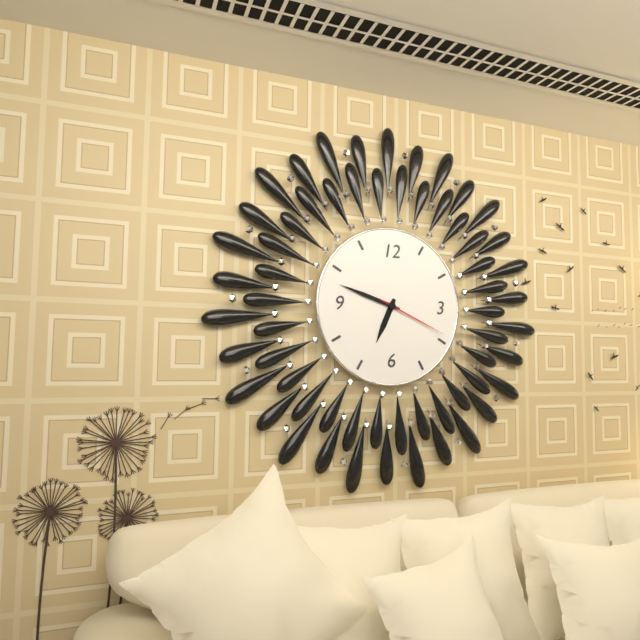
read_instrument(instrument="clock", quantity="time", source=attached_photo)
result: 6:48:19
